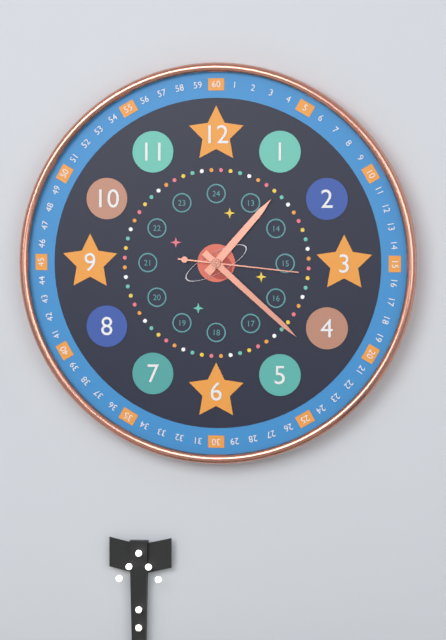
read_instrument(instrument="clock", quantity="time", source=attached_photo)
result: 1:22:16
